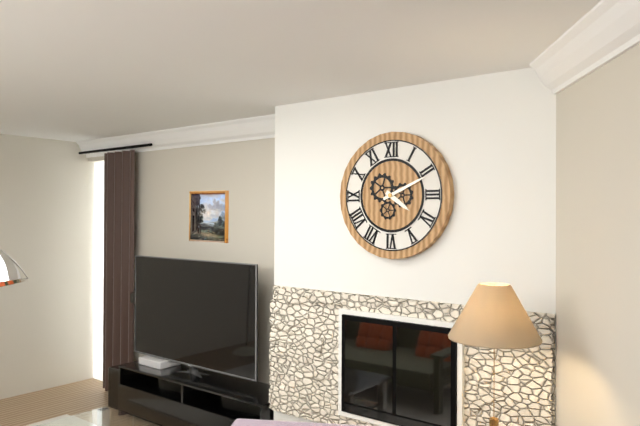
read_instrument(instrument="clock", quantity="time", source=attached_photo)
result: 4:11
